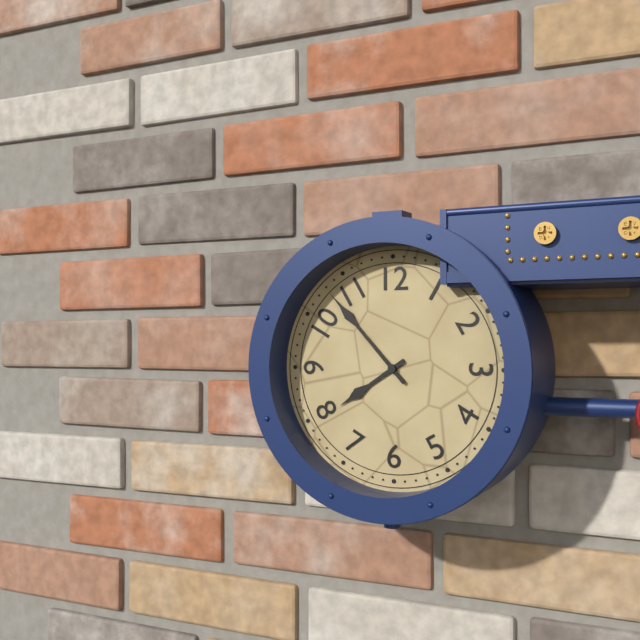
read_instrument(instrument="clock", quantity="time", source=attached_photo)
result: 7:53
